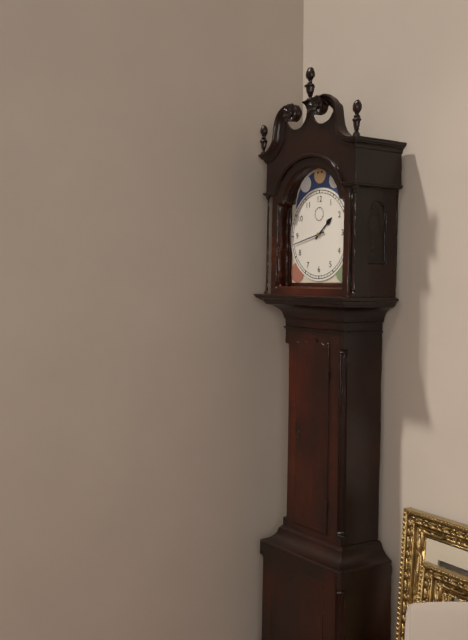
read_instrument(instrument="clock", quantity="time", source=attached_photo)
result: 1:43
